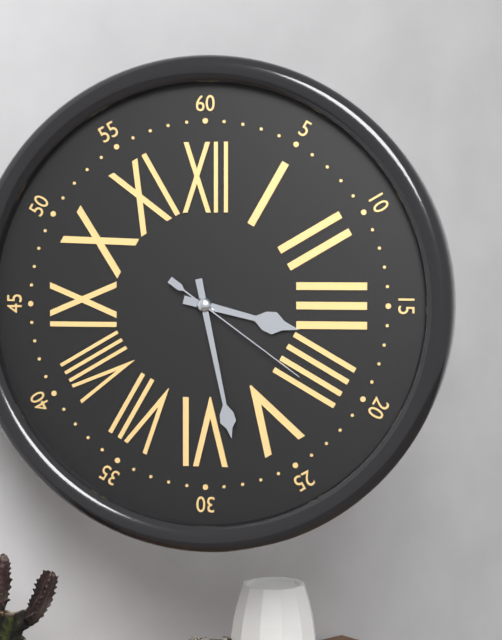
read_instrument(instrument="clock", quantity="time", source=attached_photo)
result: 3:28:21
